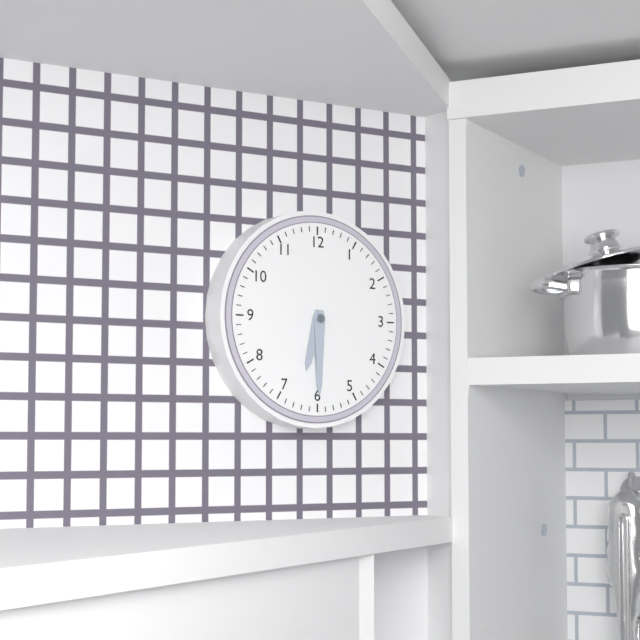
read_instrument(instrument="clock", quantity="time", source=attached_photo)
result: 6:30
